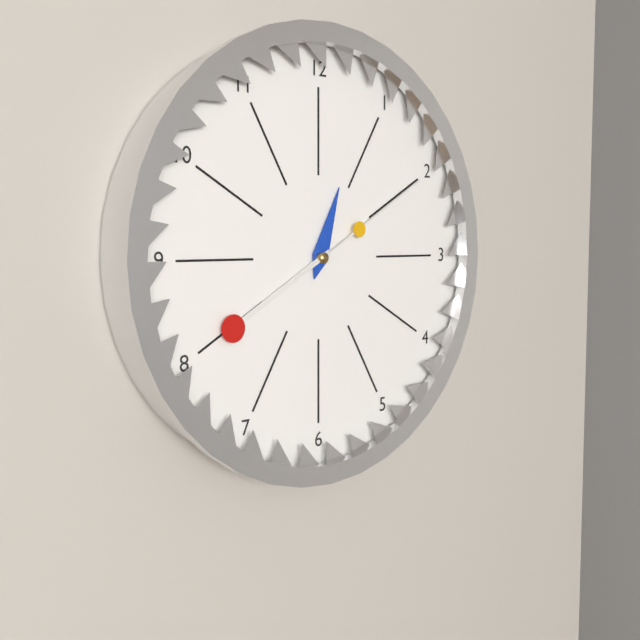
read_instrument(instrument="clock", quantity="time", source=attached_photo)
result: 12:40:10
